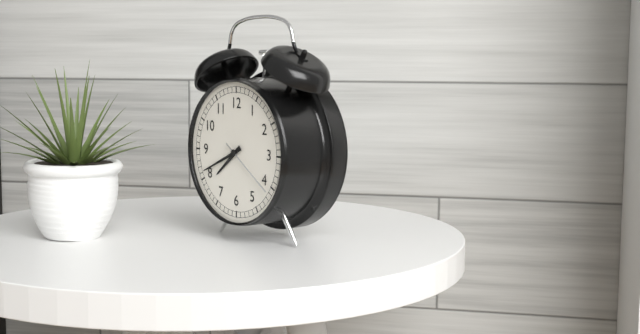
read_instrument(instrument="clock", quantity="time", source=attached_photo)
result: 7:41:21
